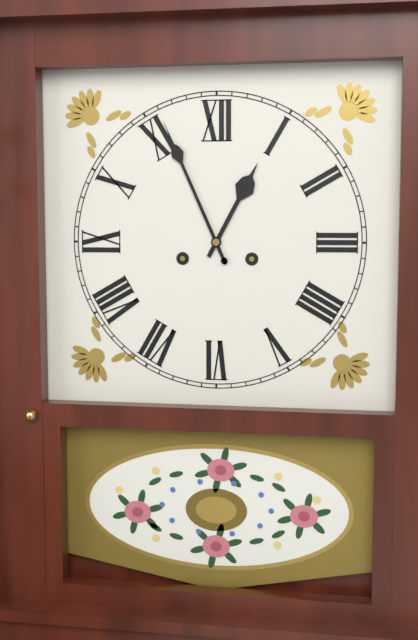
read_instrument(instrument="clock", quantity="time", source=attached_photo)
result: 12:56
